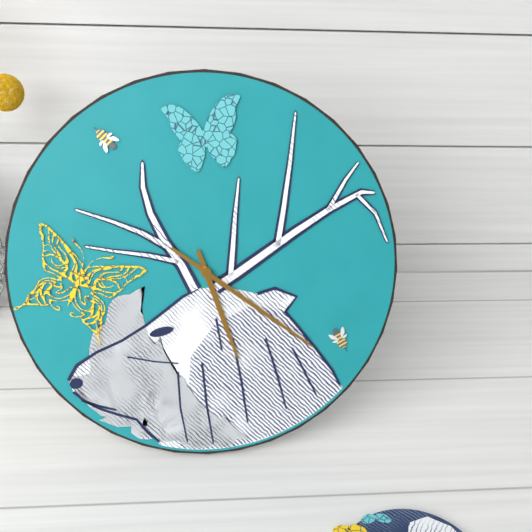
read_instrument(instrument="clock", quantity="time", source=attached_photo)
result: 5:21
